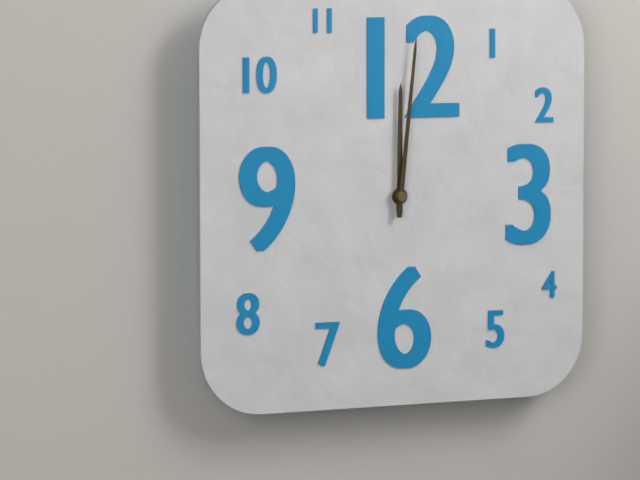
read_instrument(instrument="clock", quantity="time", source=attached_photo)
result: 12:01
